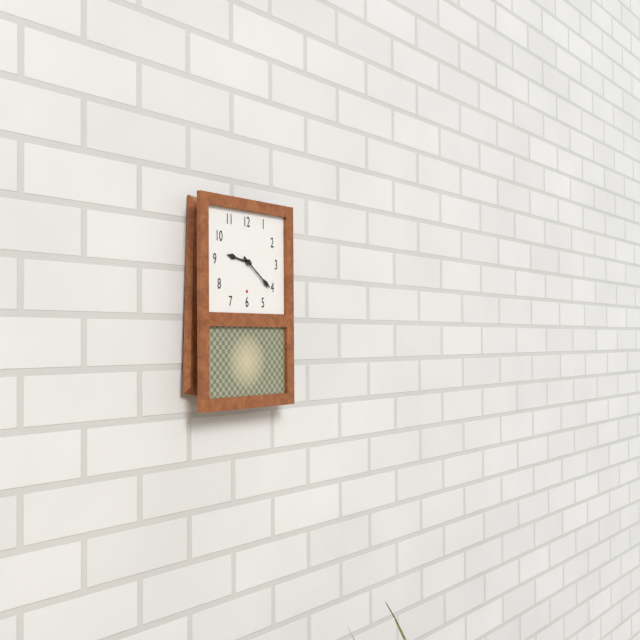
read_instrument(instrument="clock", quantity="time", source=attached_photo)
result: 9:21
